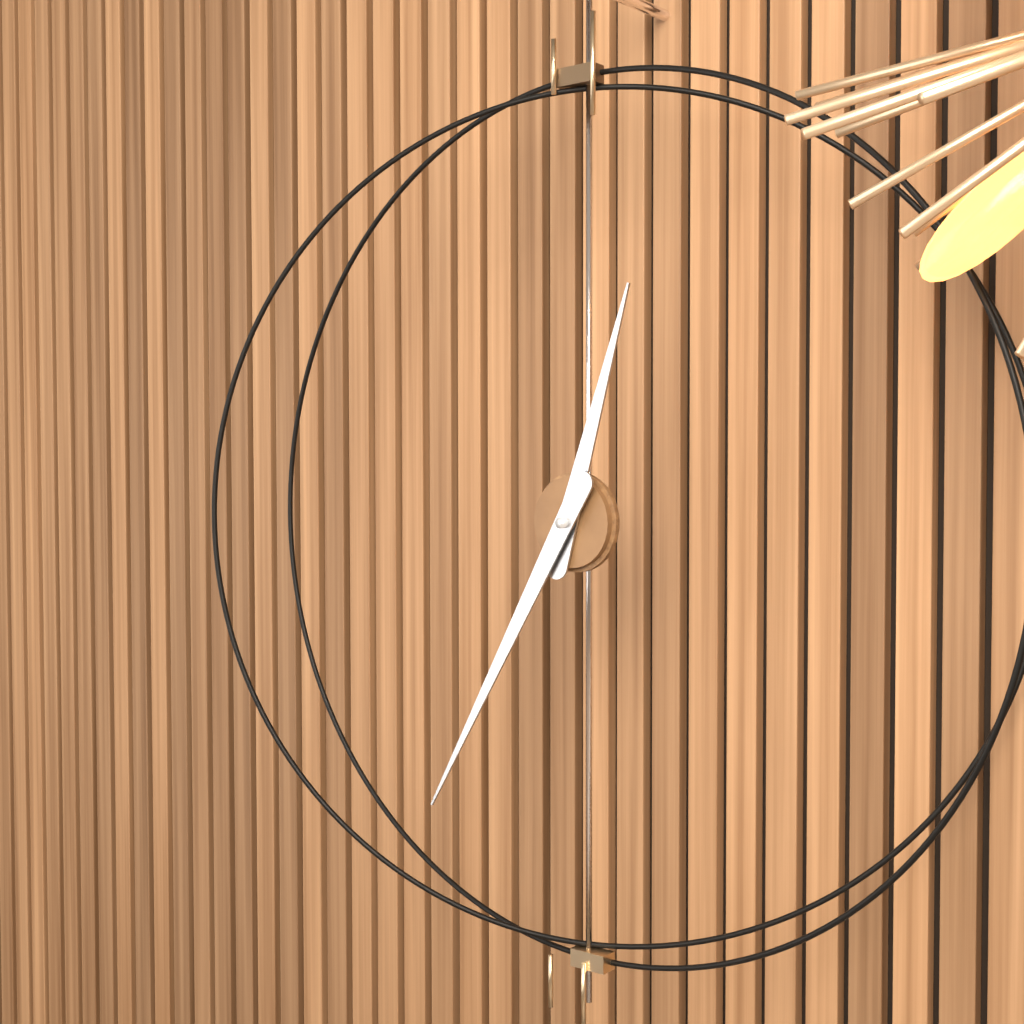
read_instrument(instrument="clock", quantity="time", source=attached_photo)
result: 12:35
